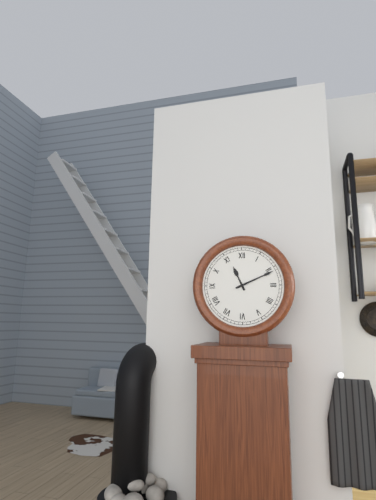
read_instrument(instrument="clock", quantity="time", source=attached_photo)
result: 11:11
